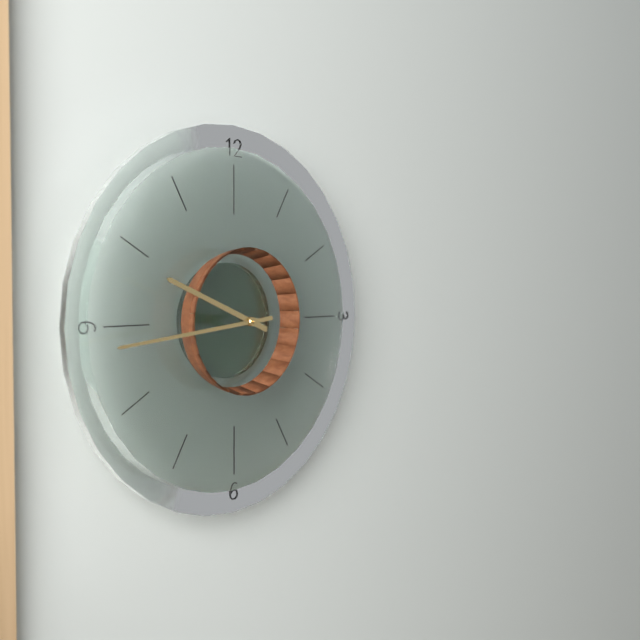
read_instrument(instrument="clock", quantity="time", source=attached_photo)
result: 9:44
